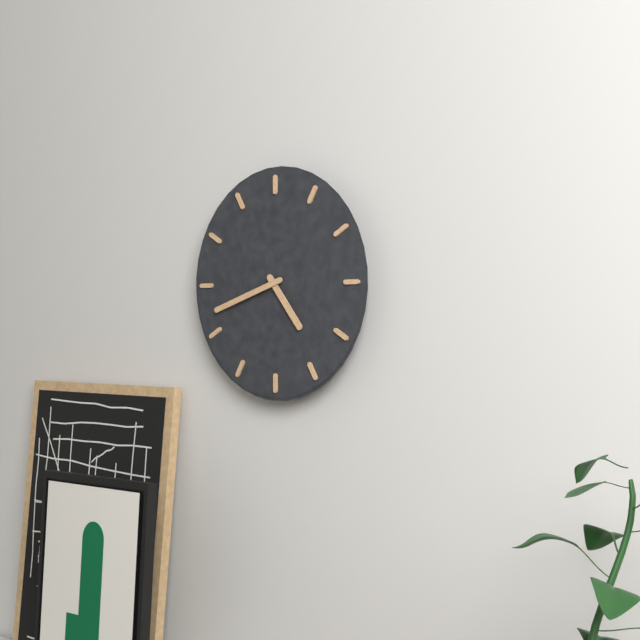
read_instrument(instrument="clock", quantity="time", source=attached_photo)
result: 4:42
